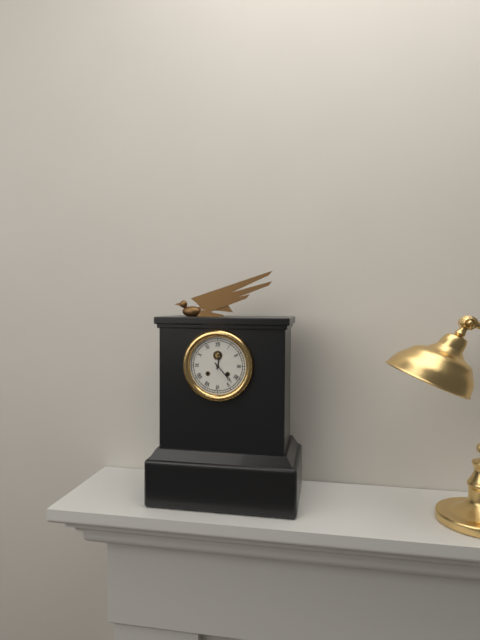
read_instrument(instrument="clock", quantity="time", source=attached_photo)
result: 12:23
